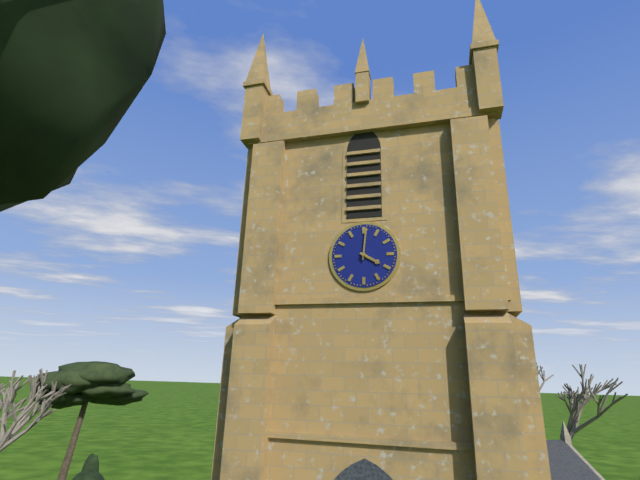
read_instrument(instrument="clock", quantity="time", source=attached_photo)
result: 4:01
